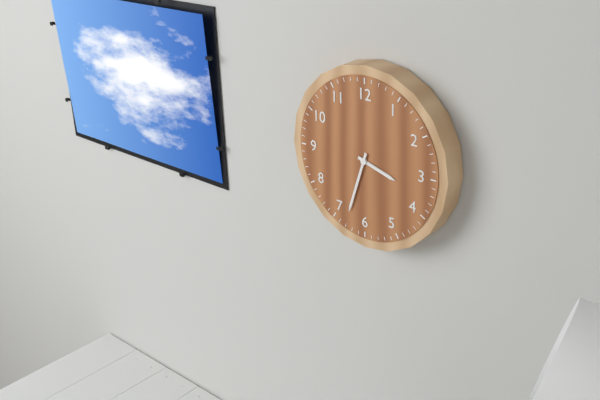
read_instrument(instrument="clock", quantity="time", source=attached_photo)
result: 3:33
